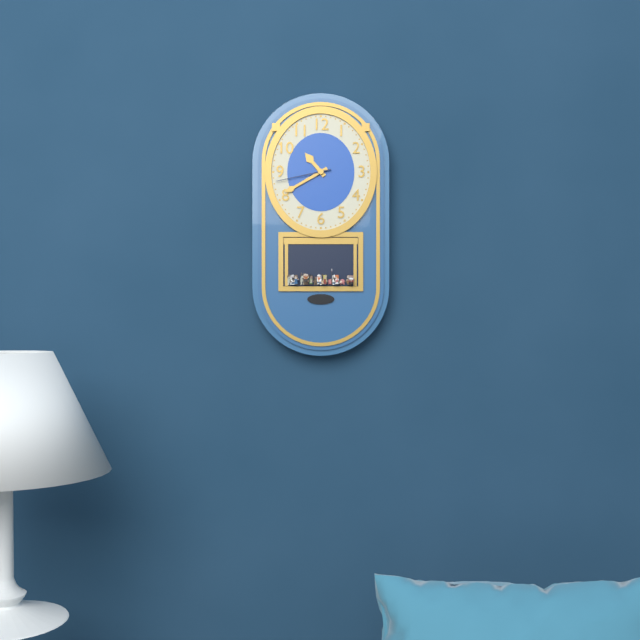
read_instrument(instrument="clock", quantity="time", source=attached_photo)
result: 10:40:43
